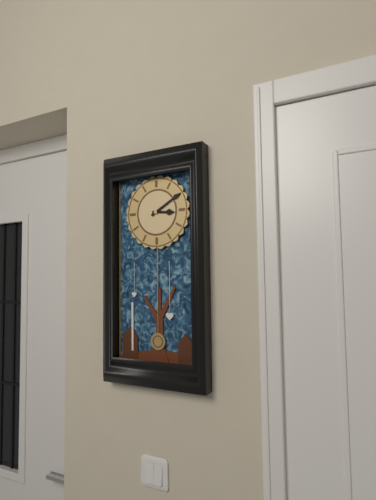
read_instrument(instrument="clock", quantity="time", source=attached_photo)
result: 3:10
